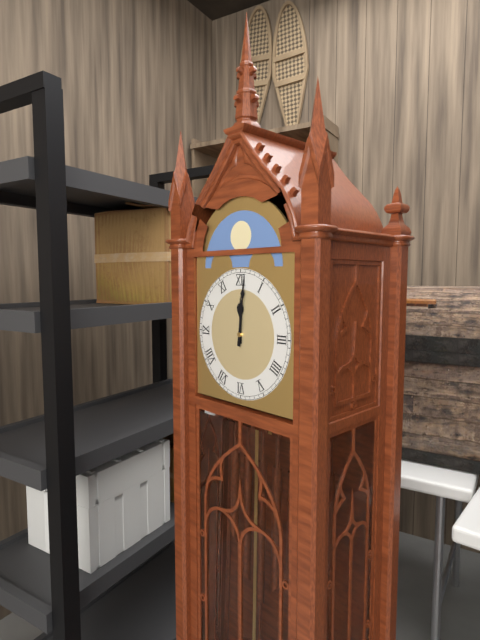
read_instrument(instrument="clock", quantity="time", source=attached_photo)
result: 12:01
